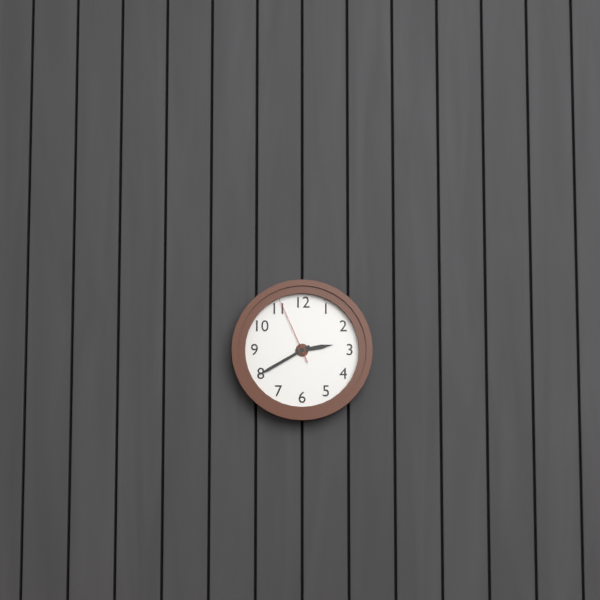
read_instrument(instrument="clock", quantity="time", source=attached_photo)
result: 2:40:56
